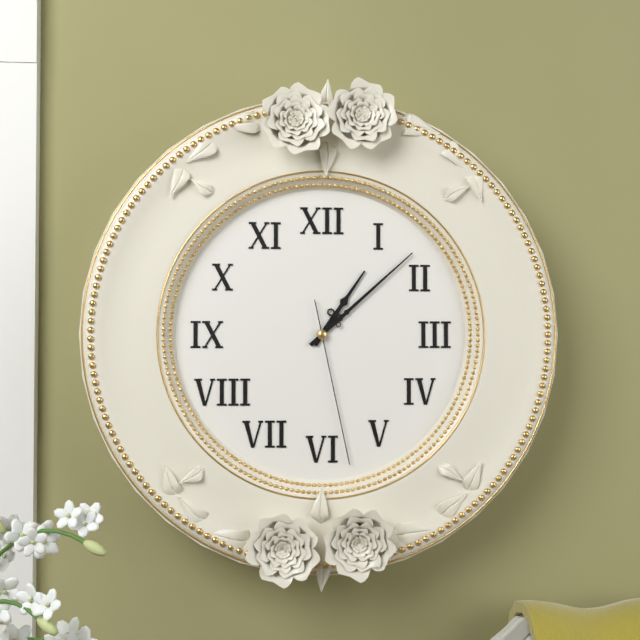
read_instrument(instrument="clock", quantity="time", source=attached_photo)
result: 1:08:28
